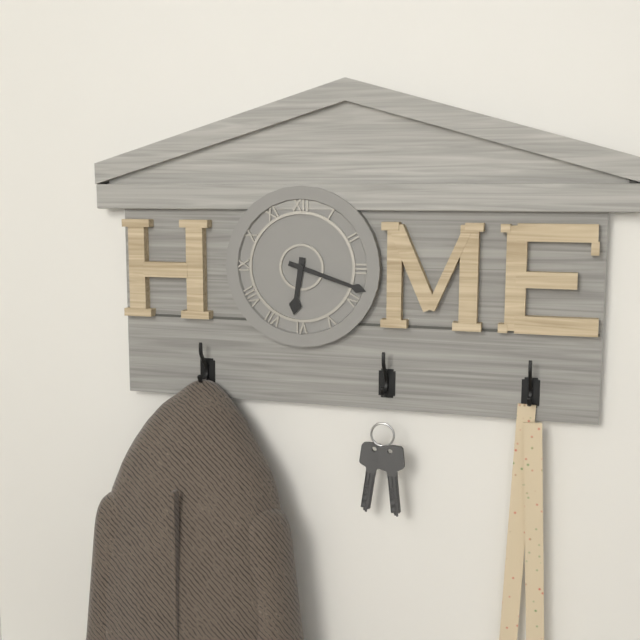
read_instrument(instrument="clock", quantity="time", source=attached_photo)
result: 6:18
